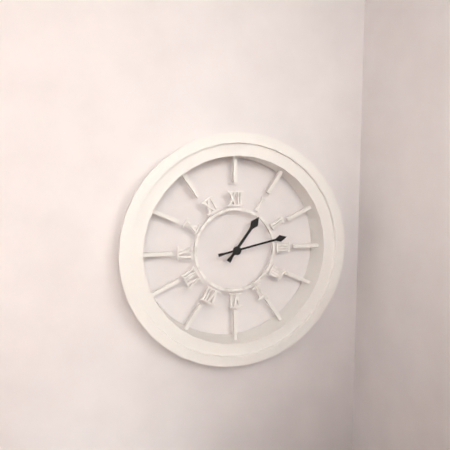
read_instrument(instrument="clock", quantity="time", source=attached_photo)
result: 1:13
